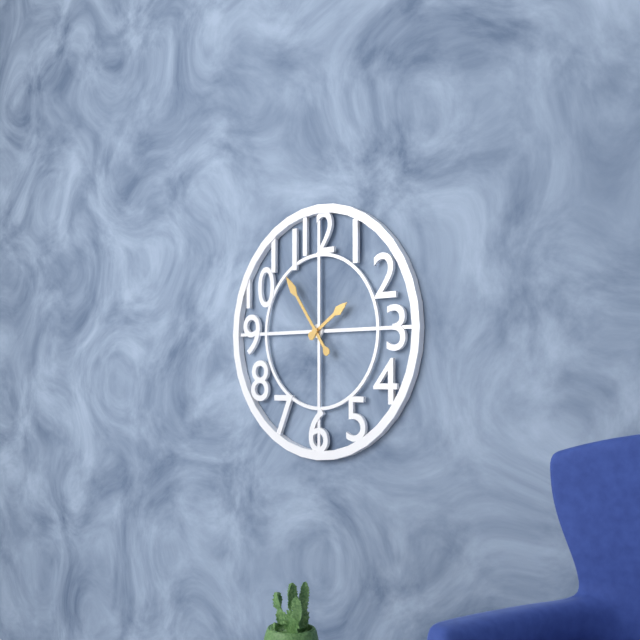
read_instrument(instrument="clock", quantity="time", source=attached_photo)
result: 1:54
